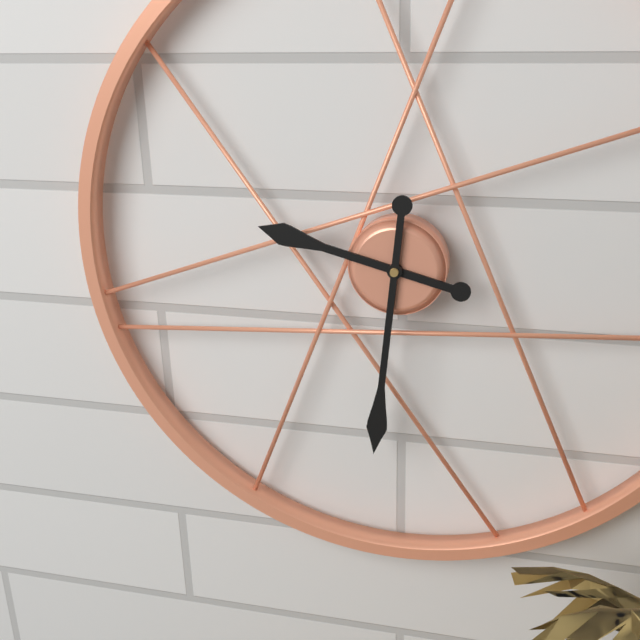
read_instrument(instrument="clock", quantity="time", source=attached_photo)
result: 9:31
